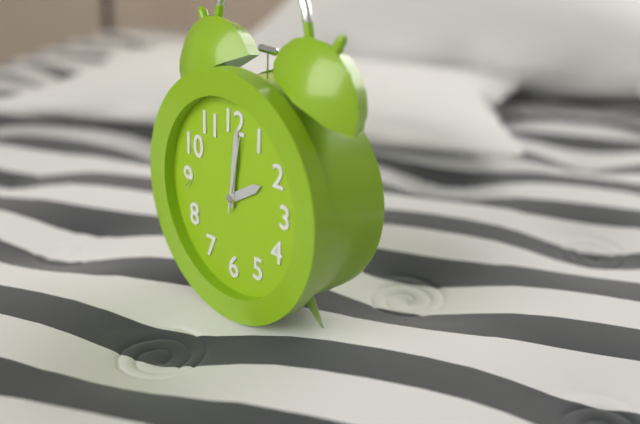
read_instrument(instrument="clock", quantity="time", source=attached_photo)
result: 2:01:02
